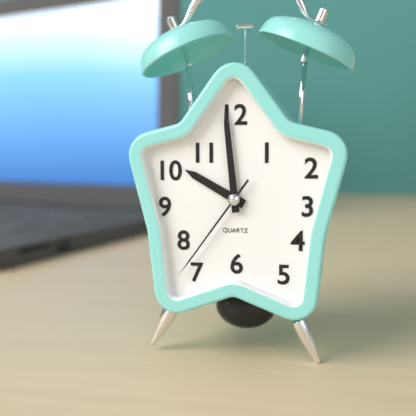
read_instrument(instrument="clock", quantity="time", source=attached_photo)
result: 9:59:36
